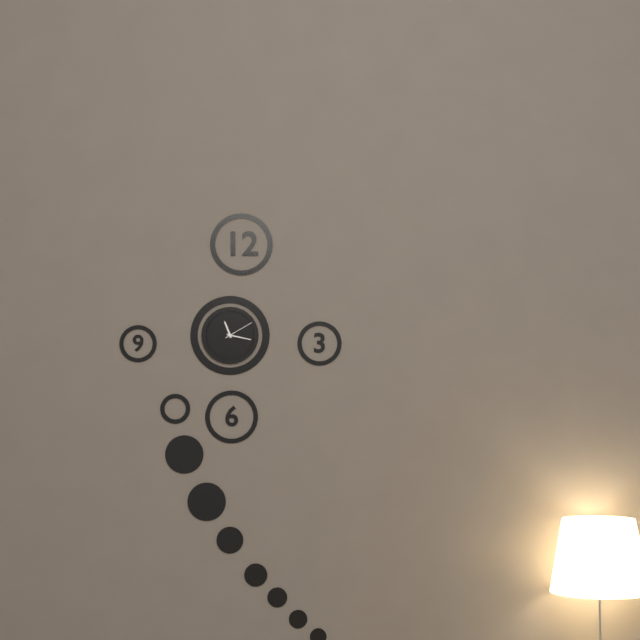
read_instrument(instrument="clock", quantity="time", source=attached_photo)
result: 11:17
